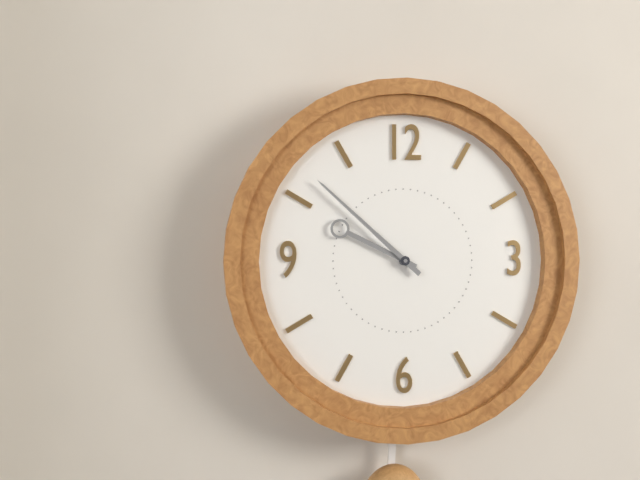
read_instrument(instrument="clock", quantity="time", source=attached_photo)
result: 9:52
